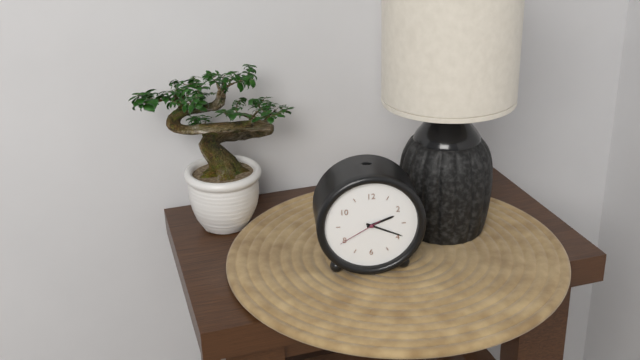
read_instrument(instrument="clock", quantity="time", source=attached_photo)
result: 2:19
